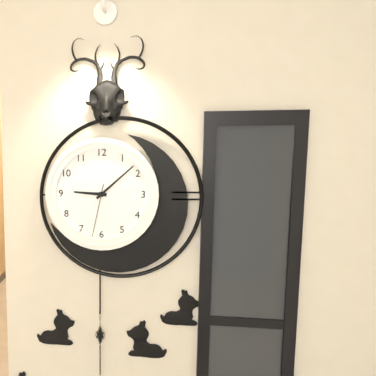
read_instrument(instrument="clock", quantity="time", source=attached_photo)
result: 9:08:32
